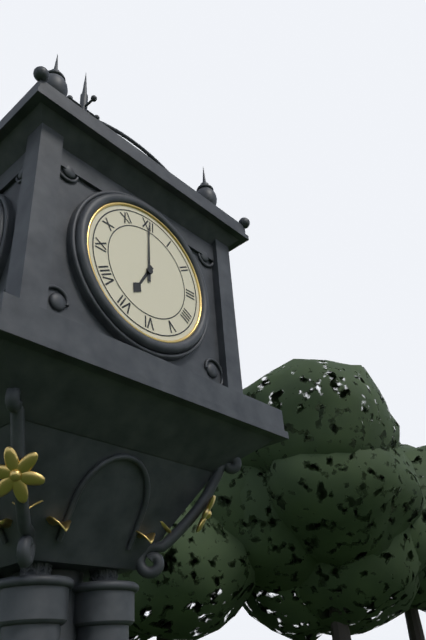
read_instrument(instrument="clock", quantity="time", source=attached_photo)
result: 7:00
